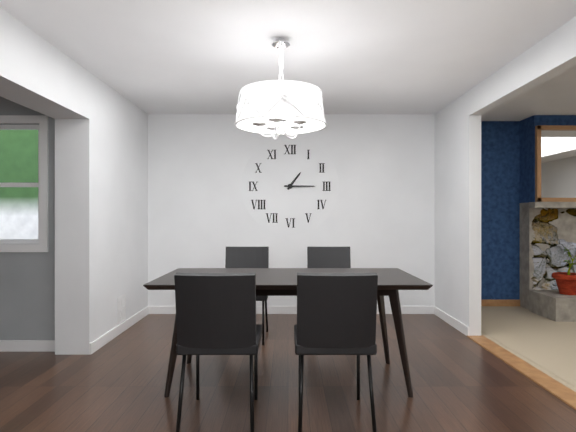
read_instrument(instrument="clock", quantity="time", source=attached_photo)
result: 1:15
